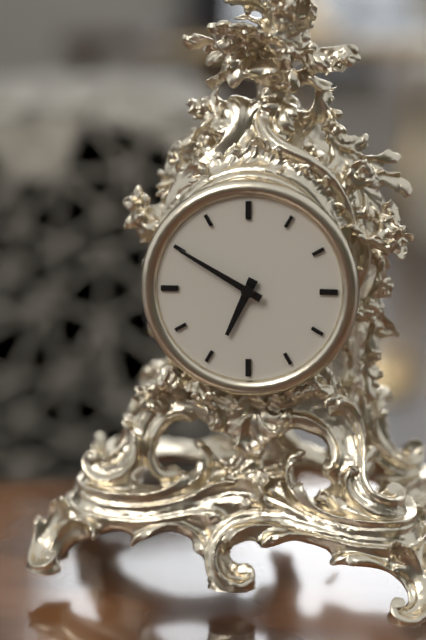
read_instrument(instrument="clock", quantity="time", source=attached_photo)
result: 6:50
